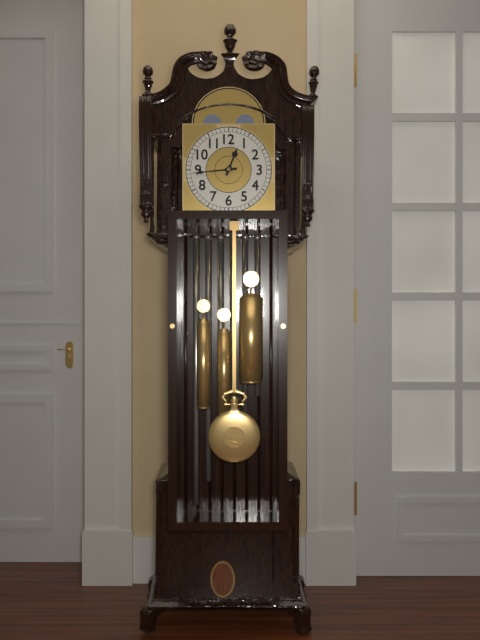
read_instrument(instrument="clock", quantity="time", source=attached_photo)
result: 12:44
